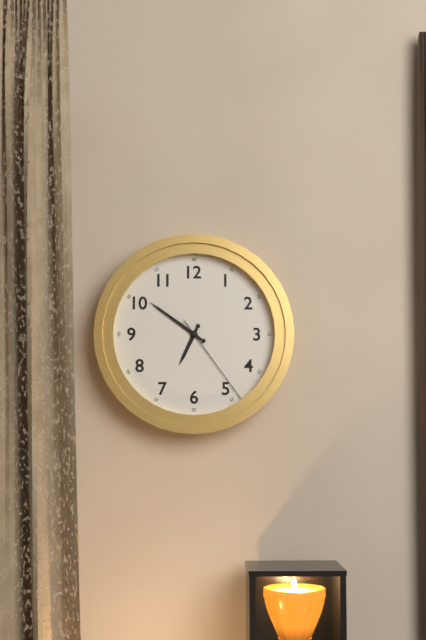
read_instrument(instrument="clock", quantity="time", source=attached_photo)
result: 6:51:24
